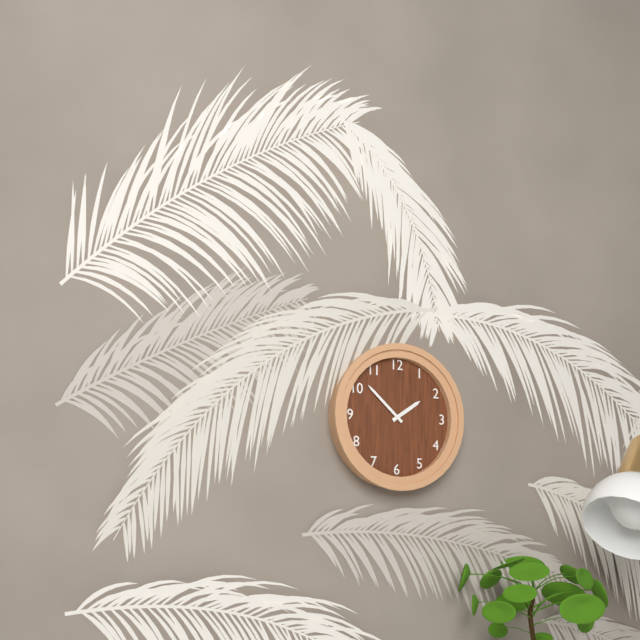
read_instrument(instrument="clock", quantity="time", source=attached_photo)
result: 1:52
